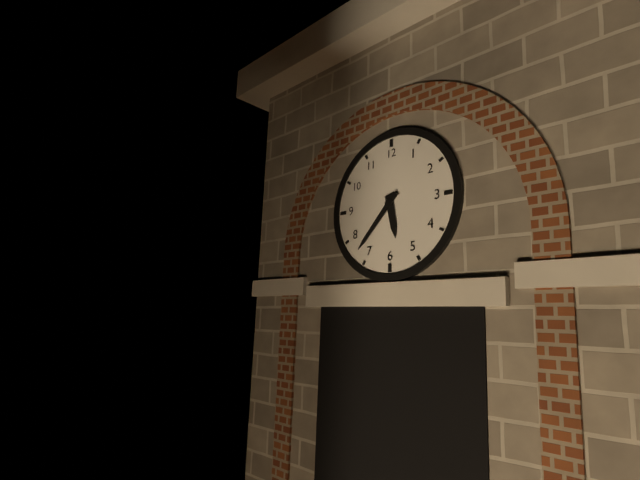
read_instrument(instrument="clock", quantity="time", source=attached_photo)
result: 5:37
